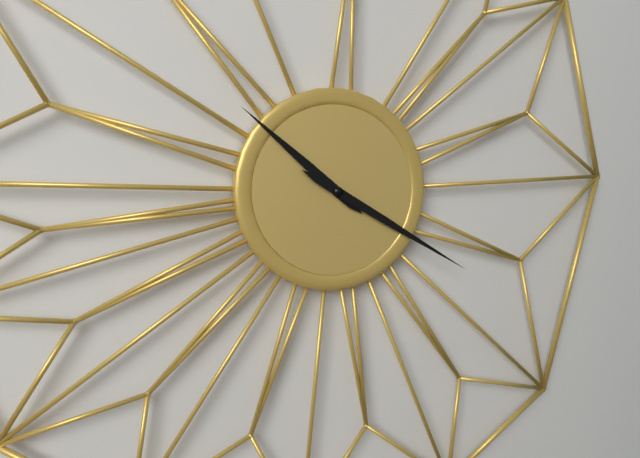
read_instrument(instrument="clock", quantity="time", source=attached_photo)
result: 10:20
